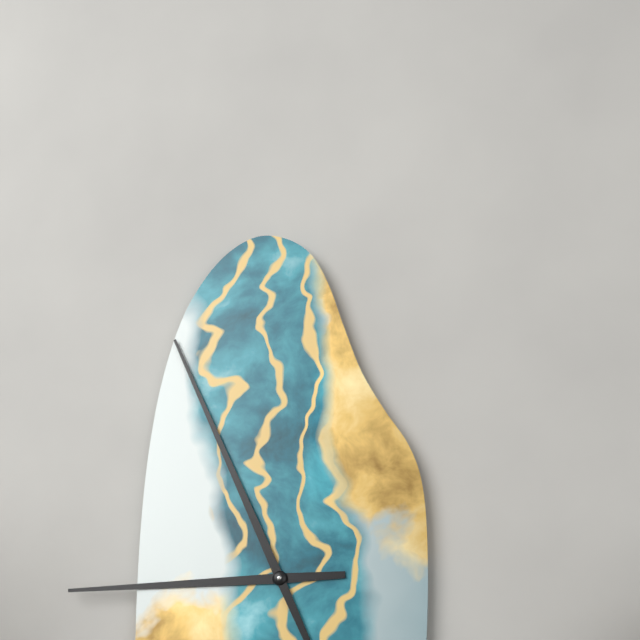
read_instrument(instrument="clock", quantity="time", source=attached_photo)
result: 8:56
